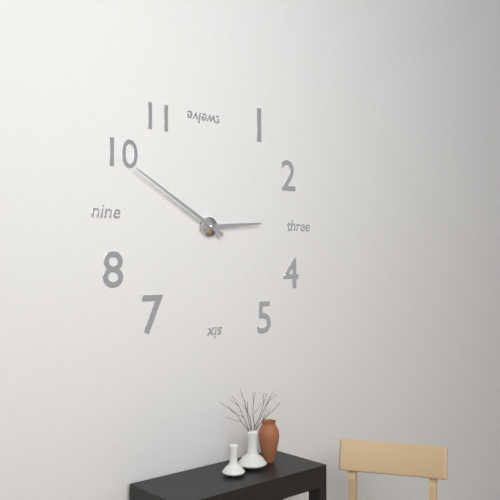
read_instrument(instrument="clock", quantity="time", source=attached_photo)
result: 2:50
